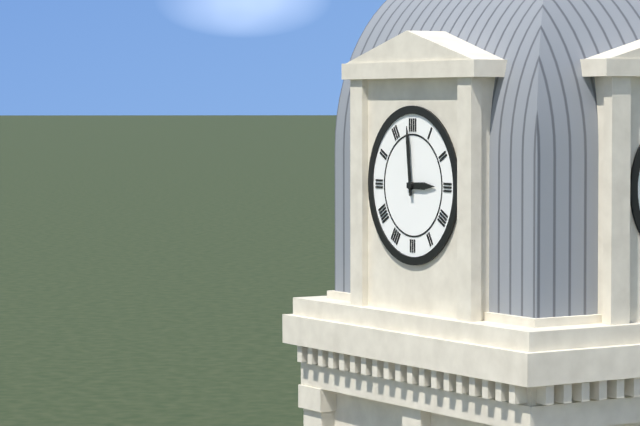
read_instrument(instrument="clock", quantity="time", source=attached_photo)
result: 2:59
